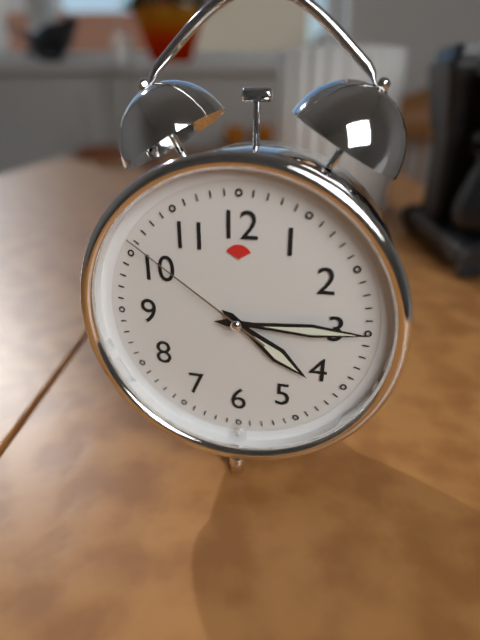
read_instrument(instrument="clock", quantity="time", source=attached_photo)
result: 4:15:51
